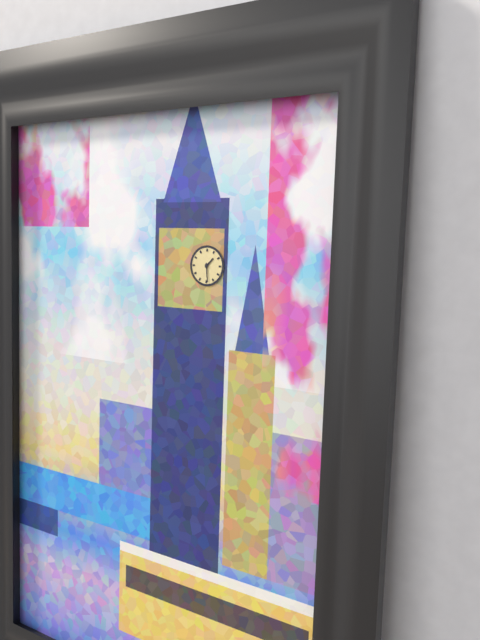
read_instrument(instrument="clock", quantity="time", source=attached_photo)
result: 1:29
